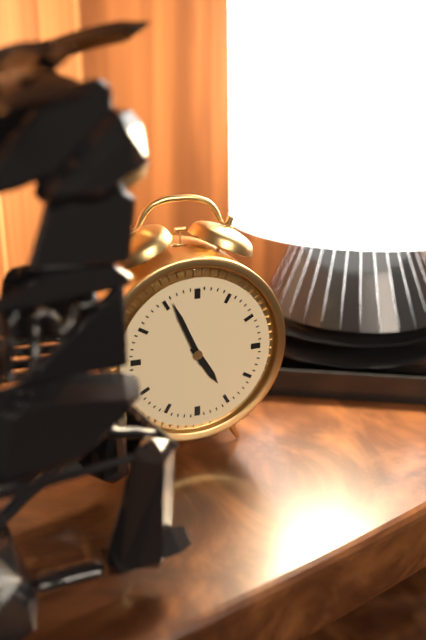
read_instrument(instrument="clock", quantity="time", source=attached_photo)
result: 4:56
